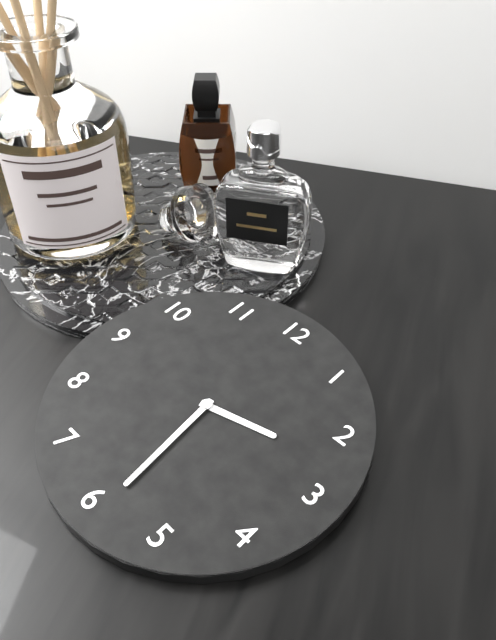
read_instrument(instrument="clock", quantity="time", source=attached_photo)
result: 2:29
